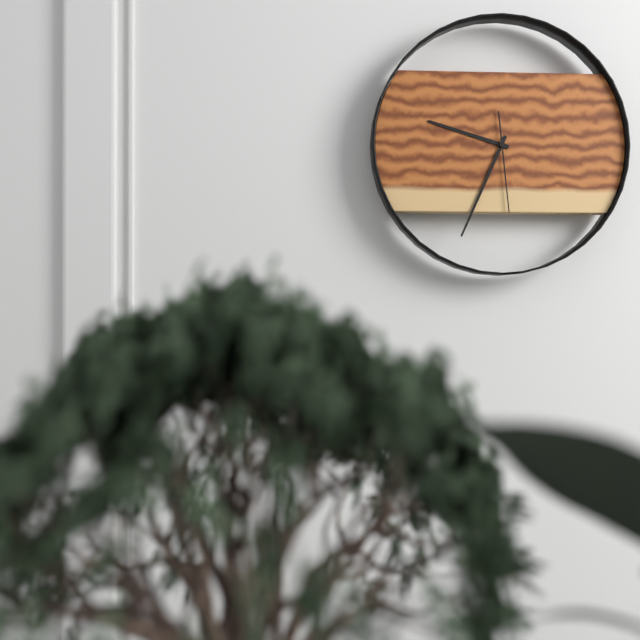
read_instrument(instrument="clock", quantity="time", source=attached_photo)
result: 9:34:29
